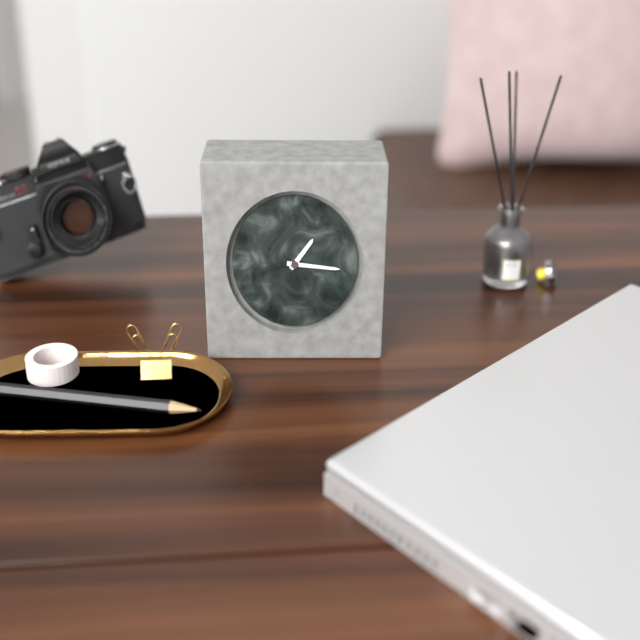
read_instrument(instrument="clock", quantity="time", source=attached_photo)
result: 1:16
